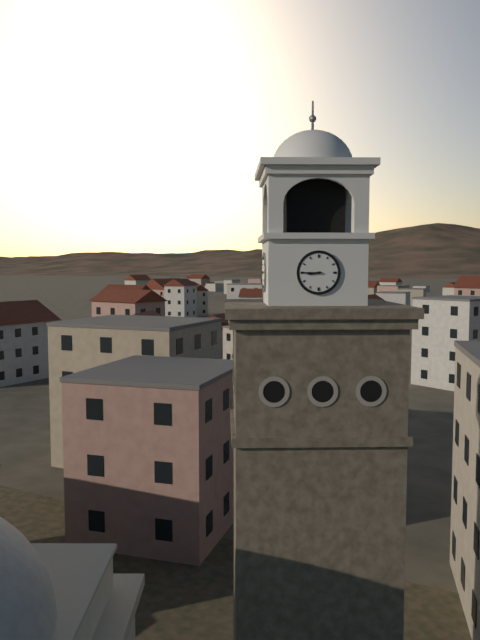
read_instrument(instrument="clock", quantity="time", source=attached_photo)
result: 8:45
